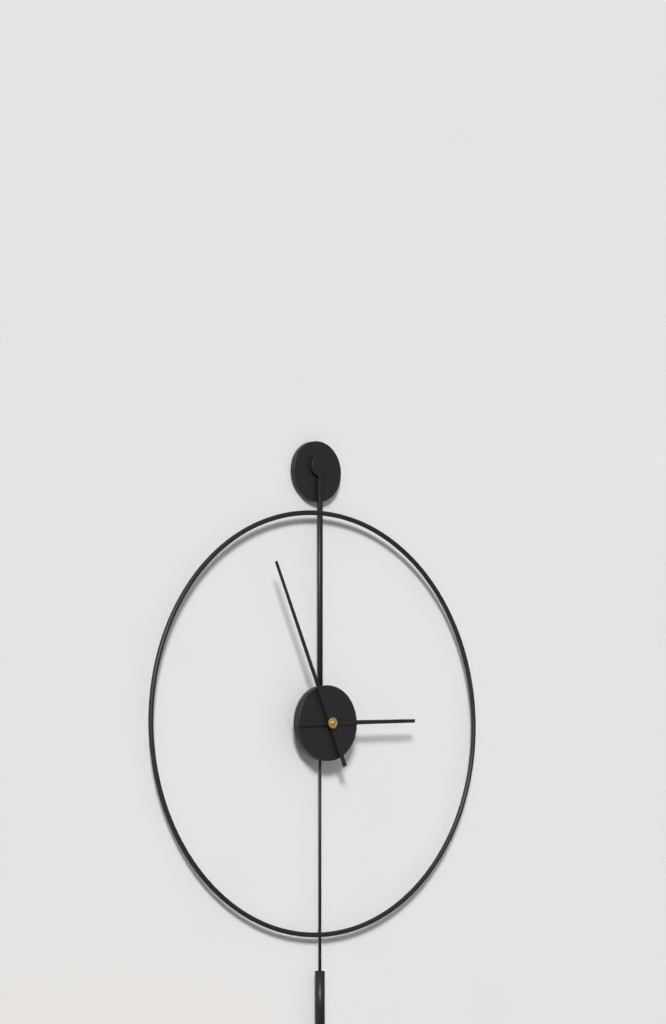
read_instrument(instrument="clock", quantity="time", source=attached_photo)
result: 2:56
